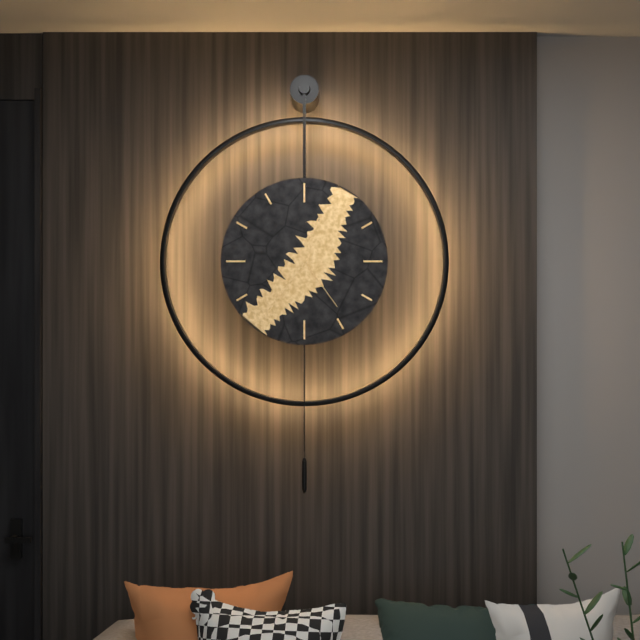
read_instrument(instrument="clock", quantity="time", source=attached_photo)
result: 12:36:24
